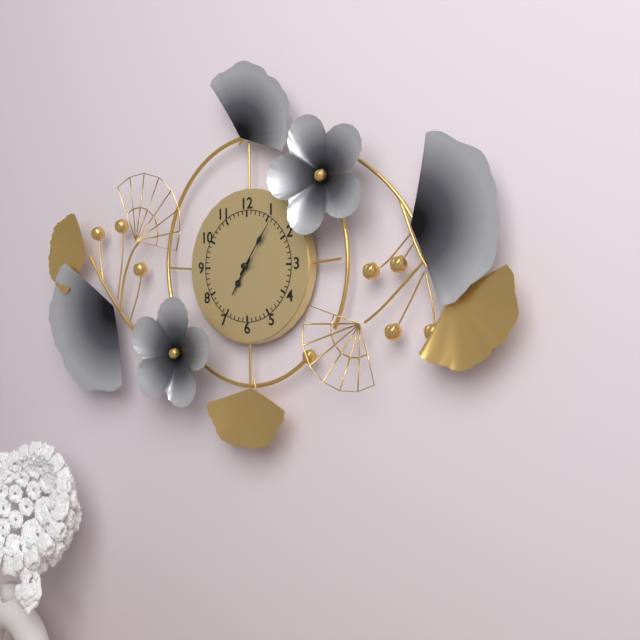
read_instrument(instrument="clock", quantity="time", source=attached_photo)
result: 7:06
